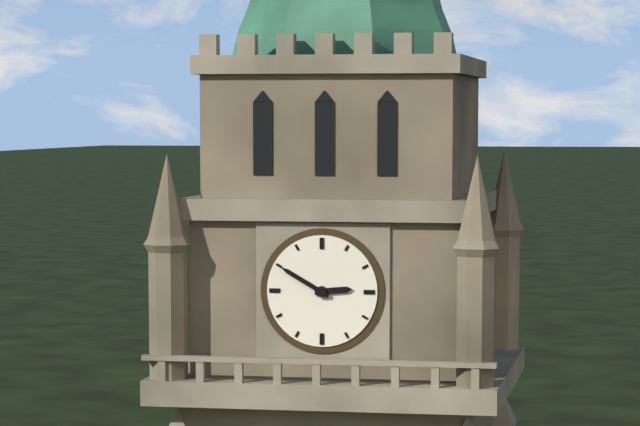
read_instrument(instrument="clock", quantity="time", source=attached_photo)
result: 2:50
